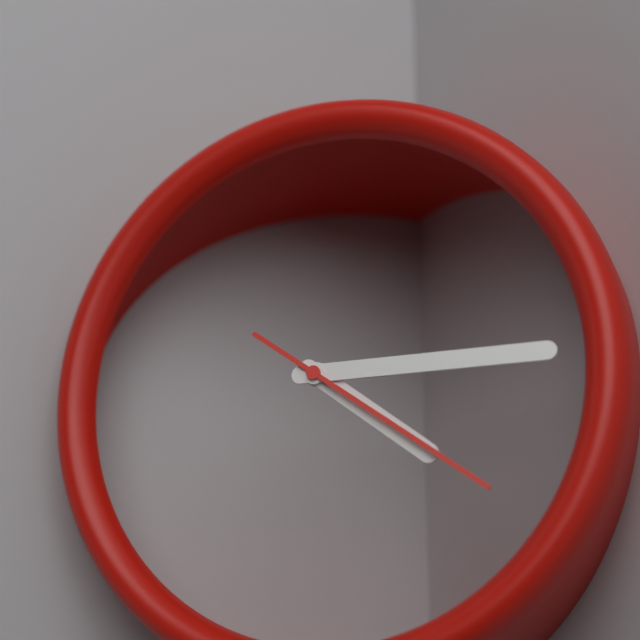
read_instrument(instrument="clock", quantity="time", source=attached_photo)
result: 4:15:21
